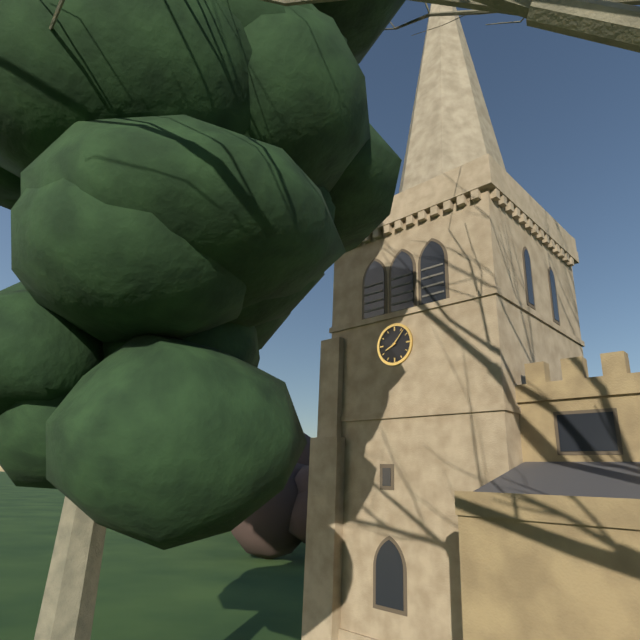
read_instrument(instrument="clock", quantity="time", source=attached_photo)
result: 8:07
